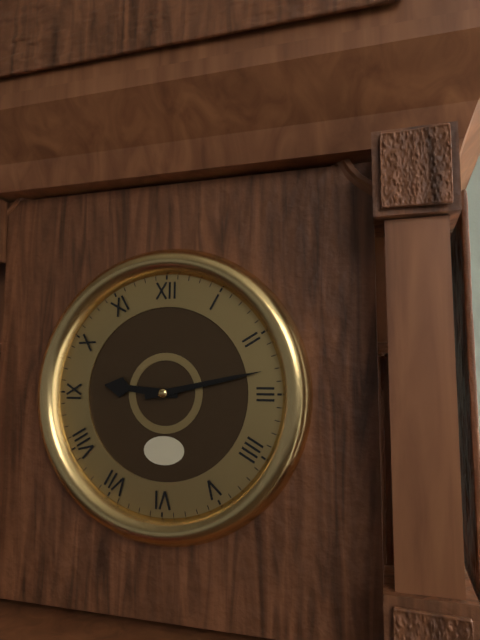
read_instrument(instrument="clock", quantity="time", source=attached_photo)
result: 9:13
